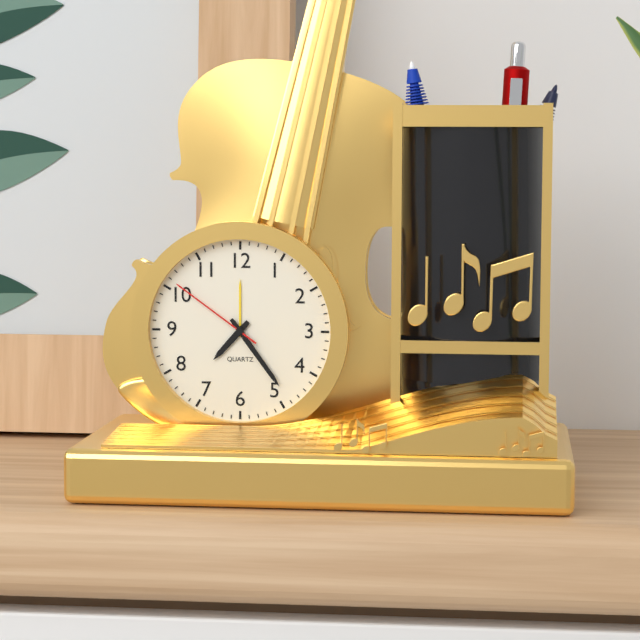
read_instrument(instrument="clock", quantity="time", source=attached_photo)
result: 7:24:51
